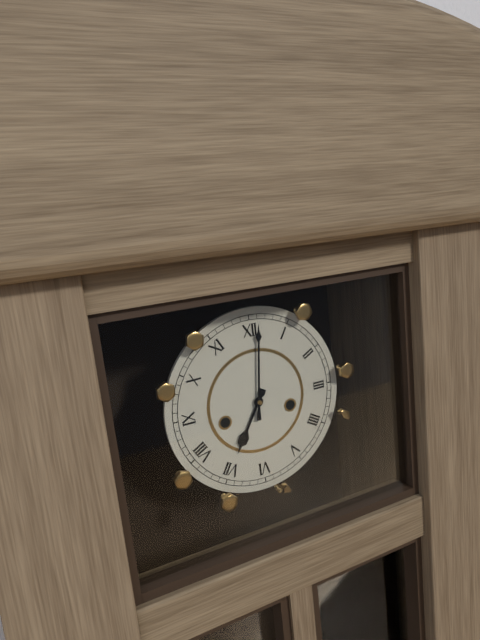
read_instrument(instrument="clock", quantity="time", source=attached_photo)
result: 7:01
